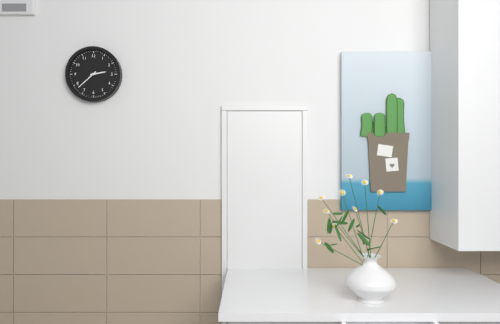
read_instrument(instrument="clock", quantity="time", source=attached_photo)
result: 2:38
